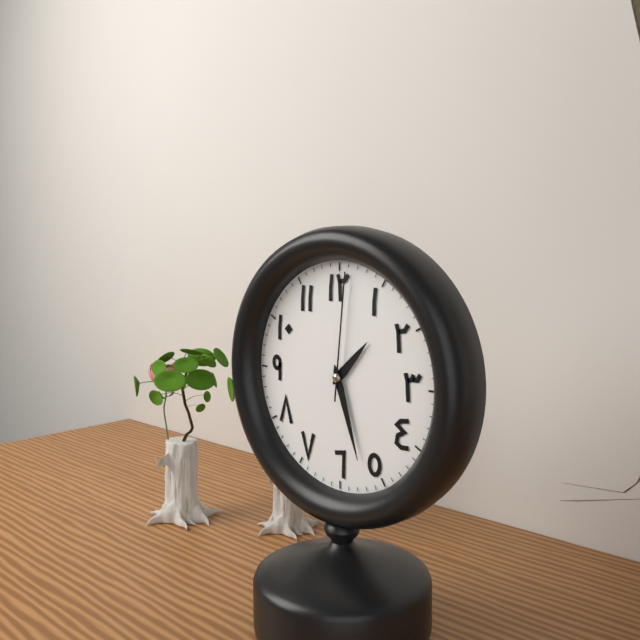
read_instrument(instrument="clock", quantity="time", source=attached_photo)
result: 1:27:01
